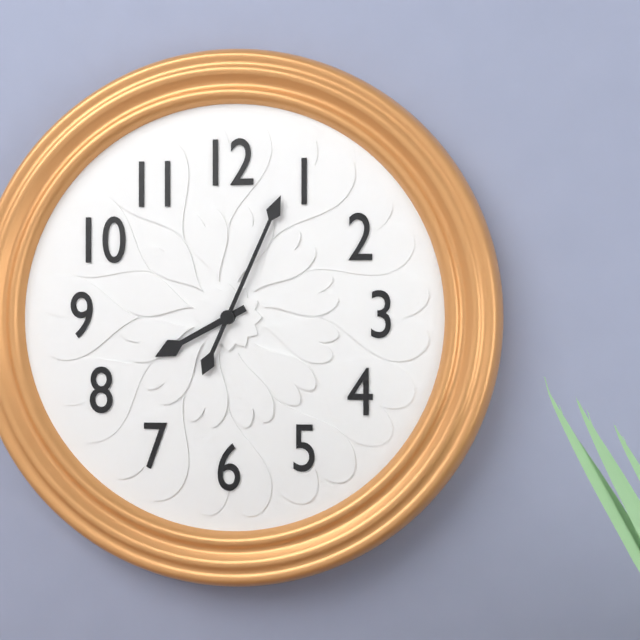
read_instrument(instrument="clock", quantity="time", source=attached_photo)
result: 8:04
